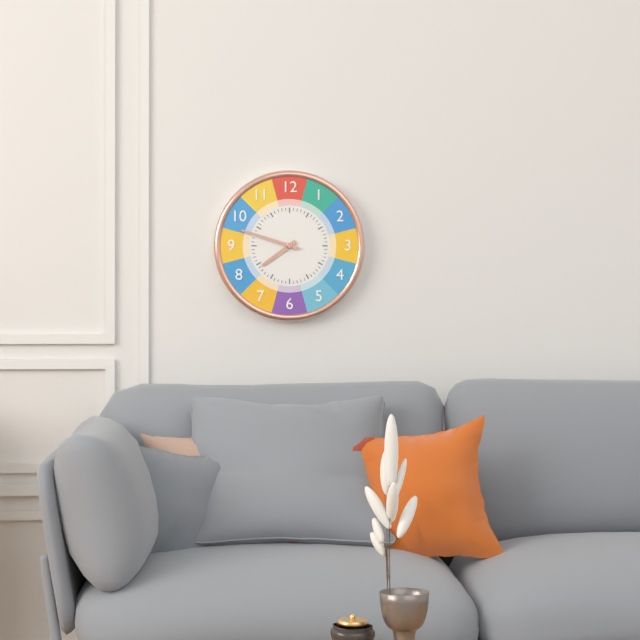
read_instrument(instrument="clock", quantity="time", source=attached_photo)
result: 7:48
